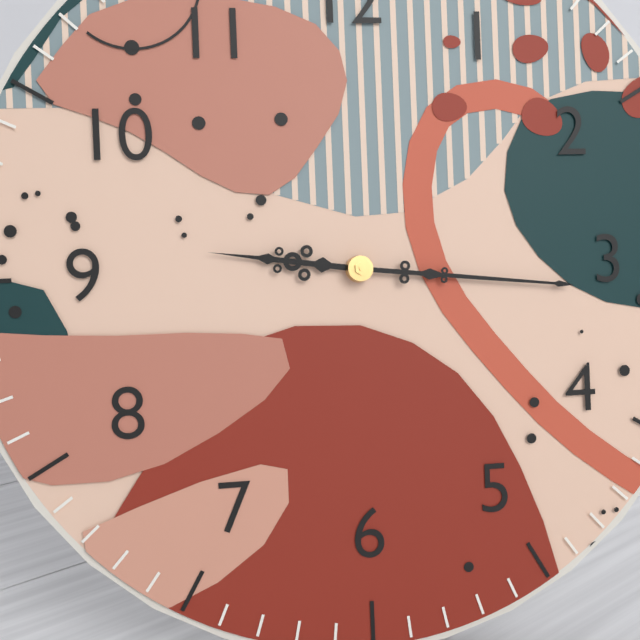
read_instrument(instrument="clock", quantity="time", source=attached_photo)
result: 9:16
